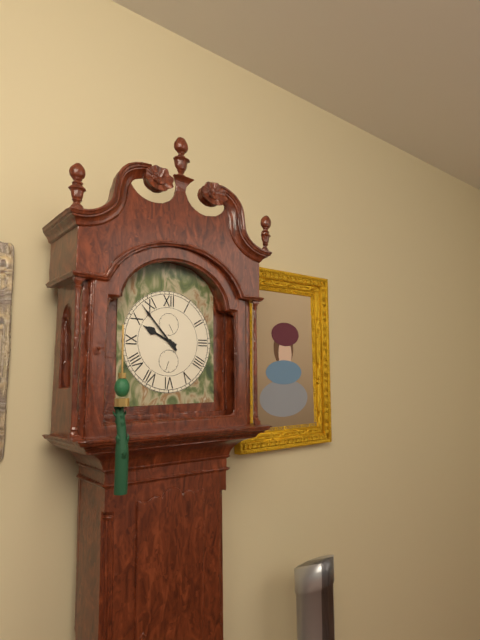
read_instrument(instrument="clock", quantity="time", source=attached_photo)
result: 9:53
